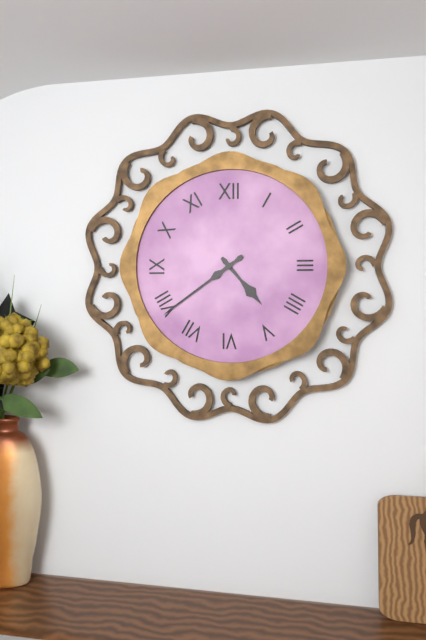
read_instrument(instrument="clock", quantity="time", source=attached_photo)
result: 4:39
